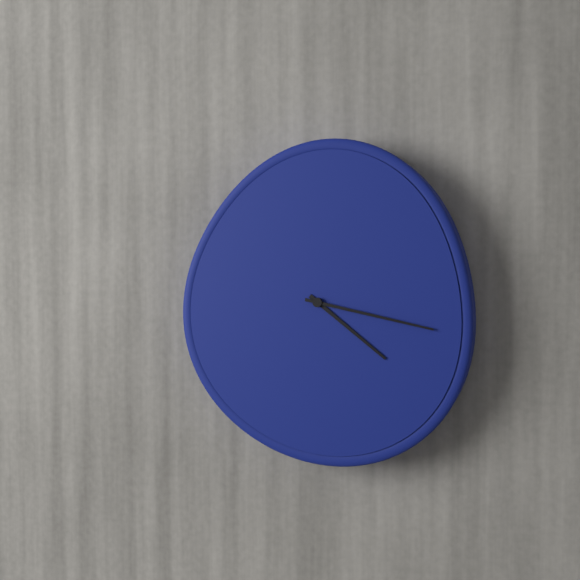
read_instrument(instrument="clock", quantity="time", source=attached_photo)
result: 4:17
